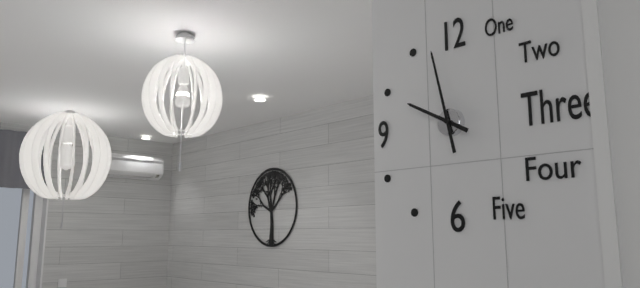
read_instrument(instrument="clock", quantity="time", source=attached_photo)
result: 9:58
